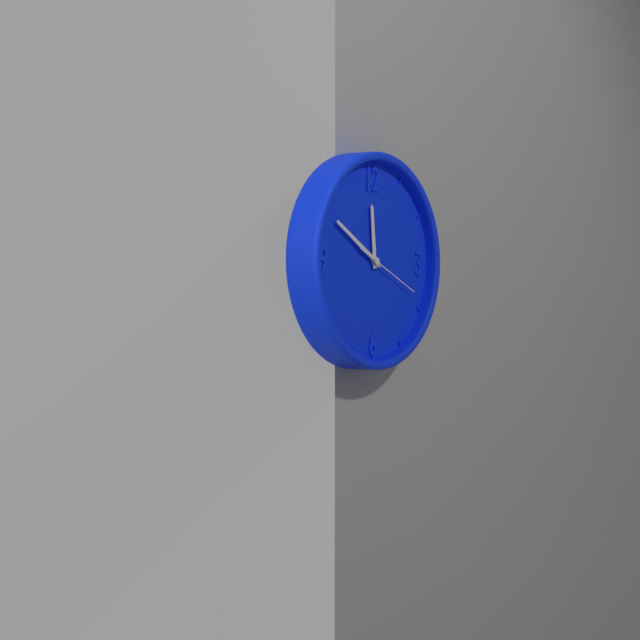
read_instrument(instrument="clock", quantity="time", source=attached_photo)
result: 11:50:19
